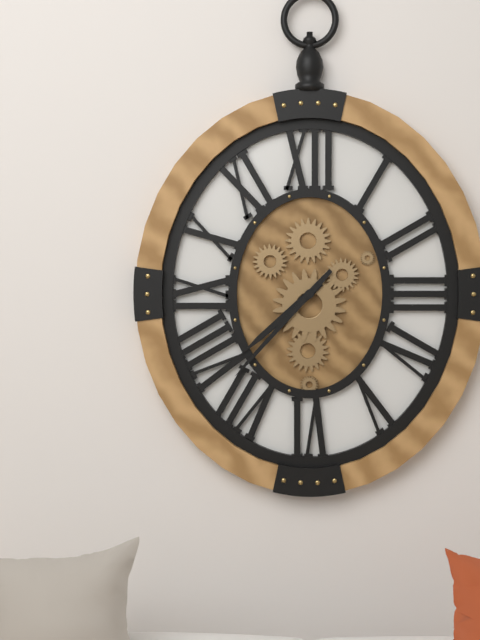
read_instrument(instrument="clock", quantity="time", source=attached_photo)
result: 7:37
